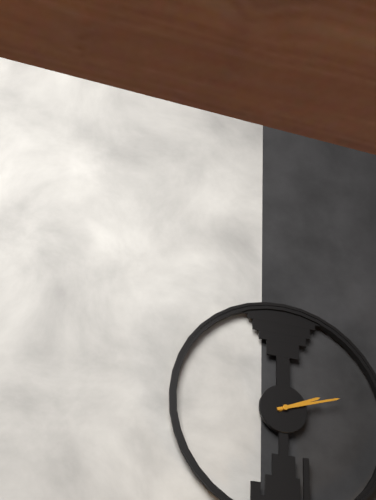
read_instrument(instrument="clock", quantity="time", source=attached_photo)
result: 2:12
